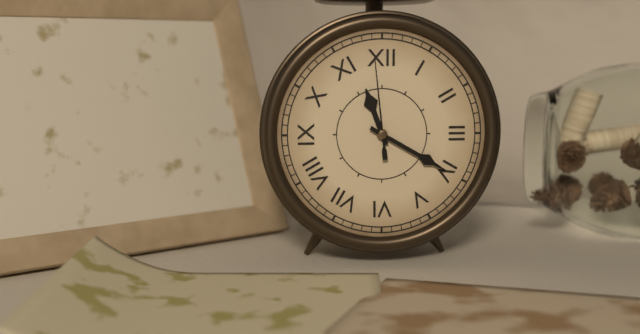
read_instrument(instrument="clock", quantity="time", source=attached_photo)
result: 11:20:59
